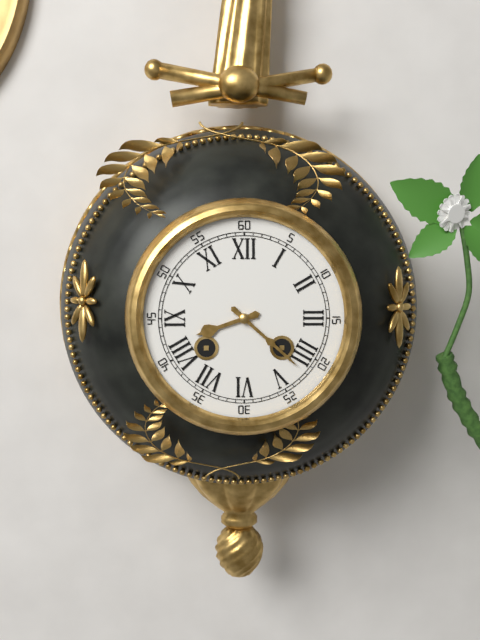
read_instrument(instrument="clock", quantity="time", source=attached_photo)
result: 8:22
